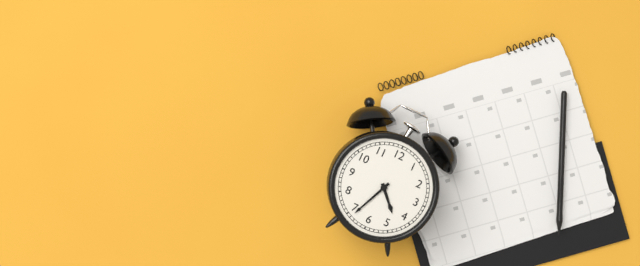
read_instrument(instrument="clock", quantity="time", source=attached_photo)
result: 4:34
